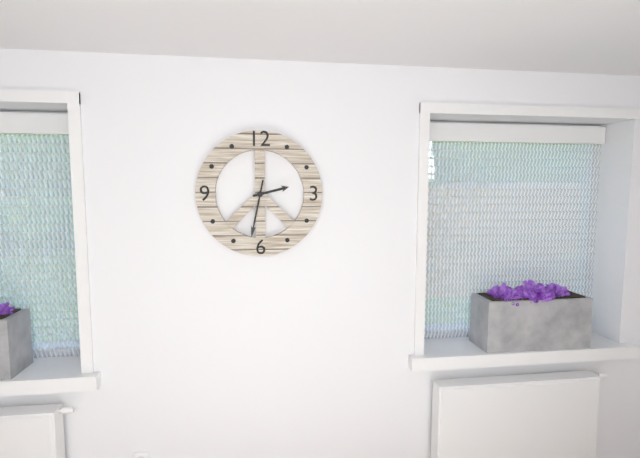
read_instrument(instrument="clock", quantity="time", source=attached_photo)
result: 2:32
